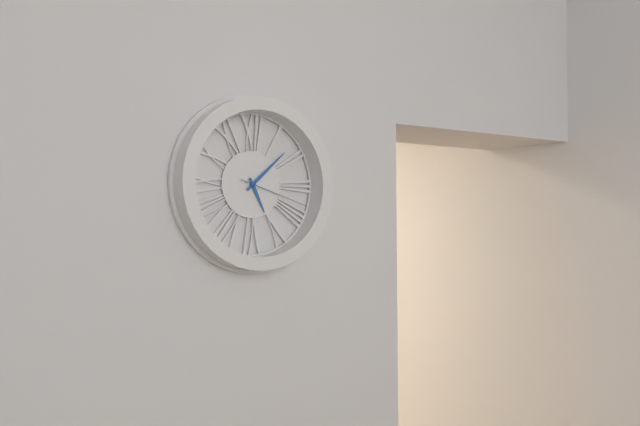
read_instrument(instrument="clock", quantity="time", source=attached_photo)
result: 5:08:18
